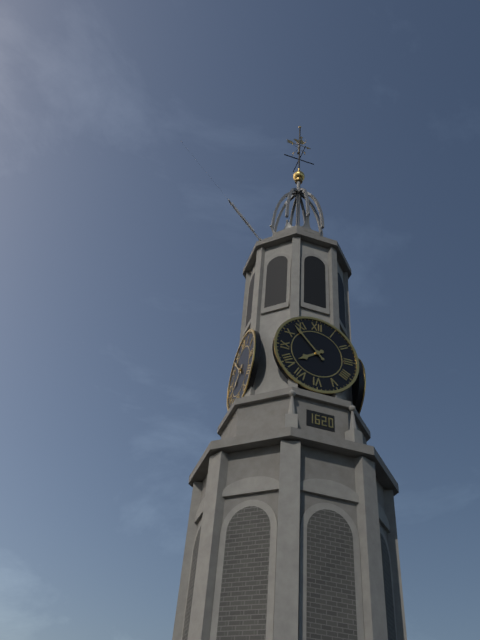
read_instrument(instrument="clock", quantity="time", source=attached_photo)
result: 7:53
